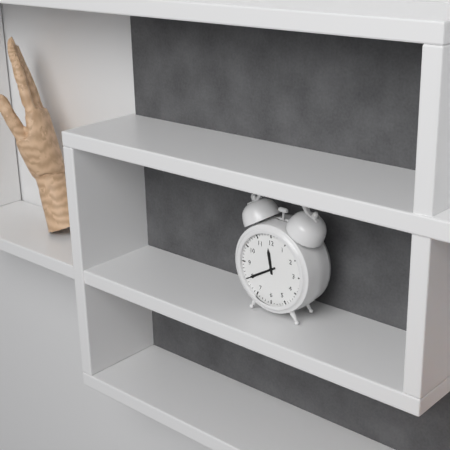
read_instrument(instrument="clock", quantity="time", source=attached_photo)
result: 11:40
